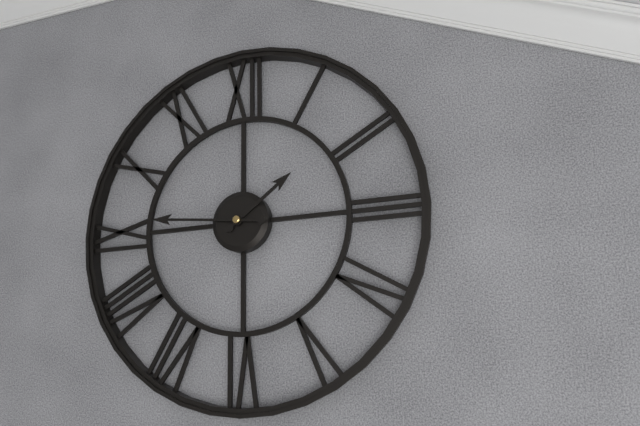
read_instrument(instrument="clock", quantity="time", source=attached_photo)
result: 1:46
